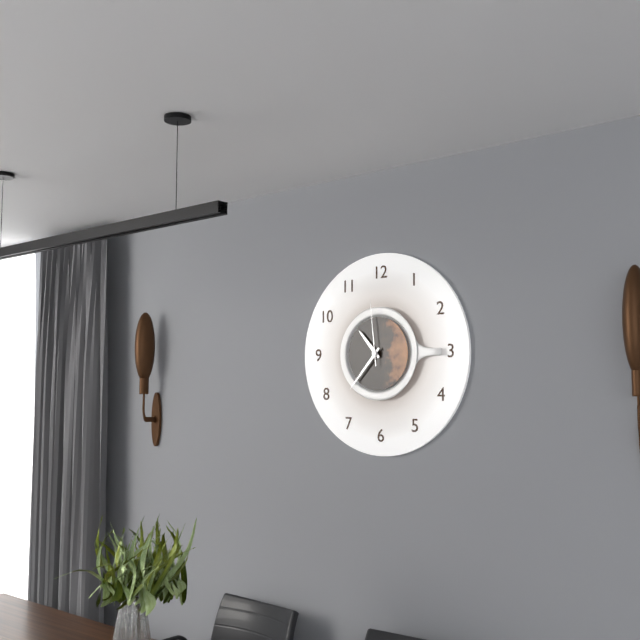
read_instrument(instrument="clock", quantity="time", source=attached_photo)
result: 10:37:59
